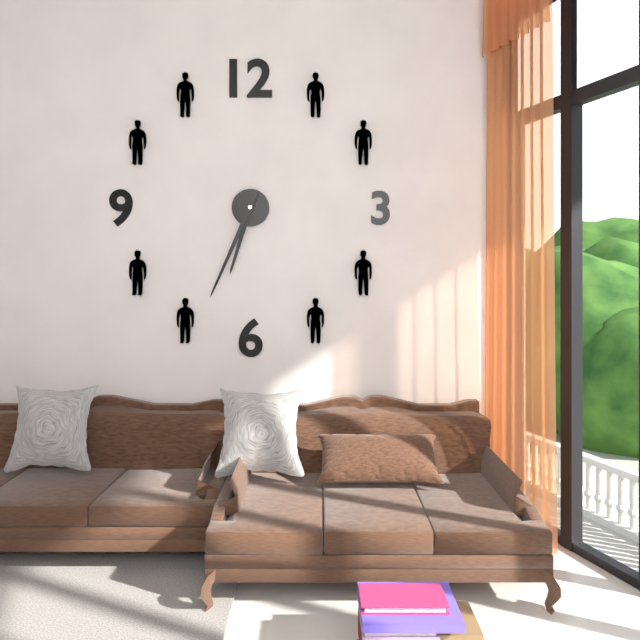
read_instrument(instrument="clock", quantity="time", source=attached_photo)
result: 6:34
